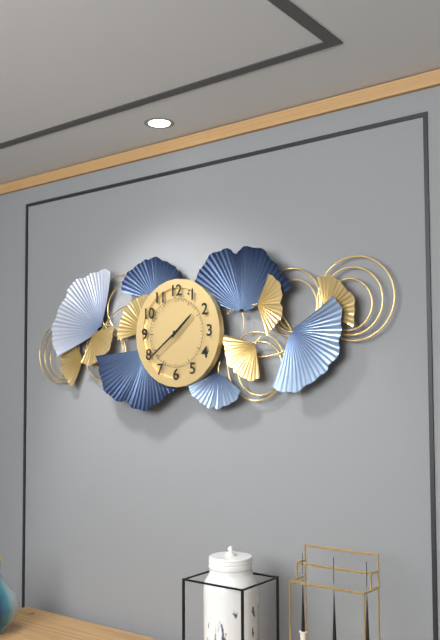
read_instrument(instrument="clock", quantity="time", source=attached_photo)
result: 1:39
